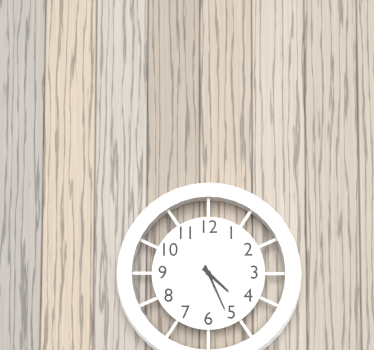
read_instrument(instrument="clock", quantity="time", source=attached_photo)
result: 4:26
